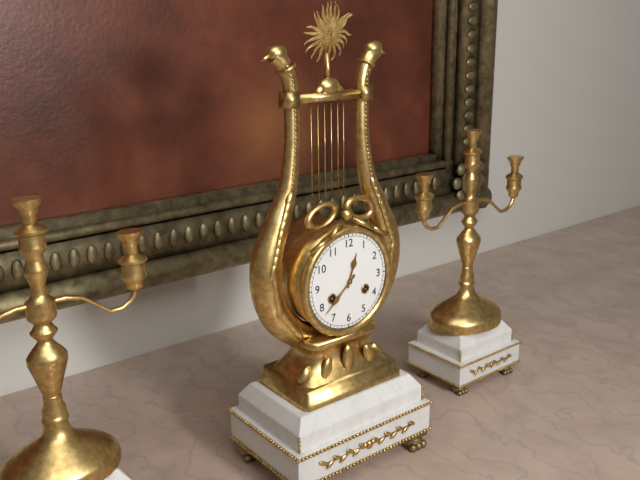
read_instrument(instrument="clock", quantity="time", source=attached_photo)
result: 12:38
